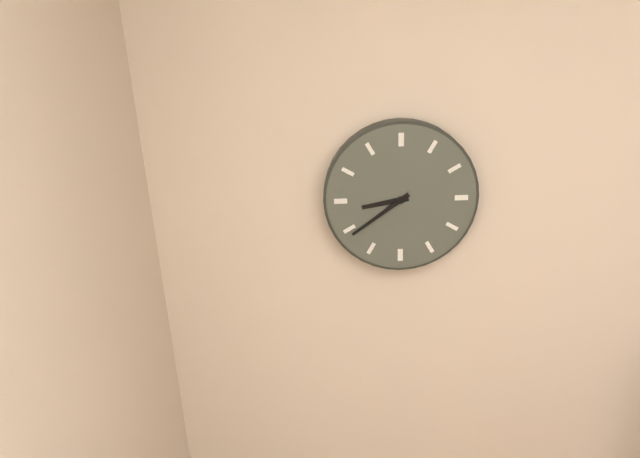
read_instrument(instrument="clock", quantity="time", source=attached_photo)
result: 8:39
